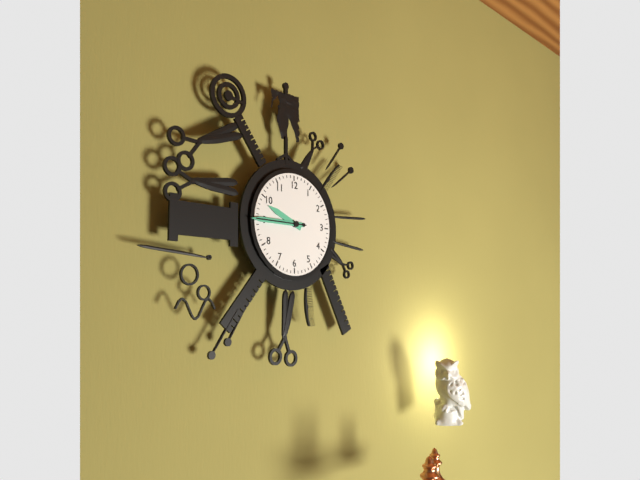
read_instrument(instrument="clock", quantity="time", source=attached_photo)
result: 9:45
